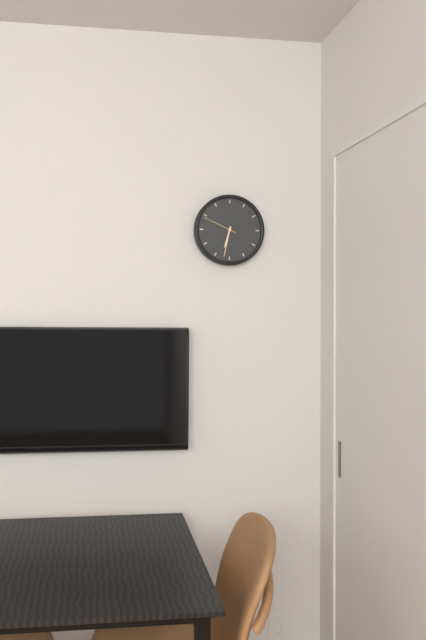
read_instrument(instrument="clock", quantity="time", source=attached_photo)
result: 6:32
